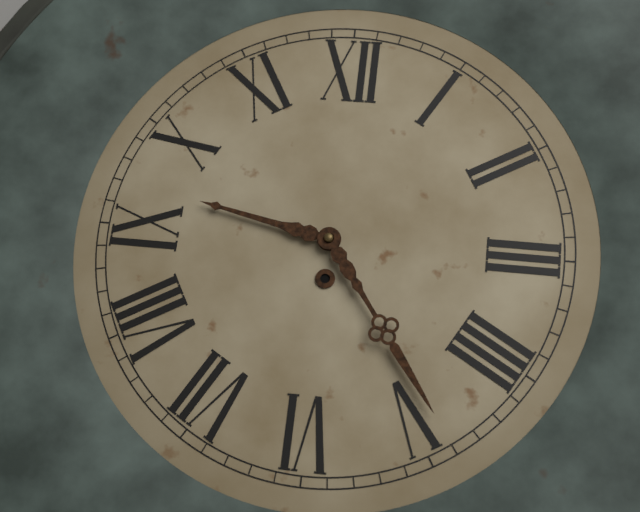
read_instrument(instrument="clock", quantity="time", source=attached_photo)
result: 9:24
